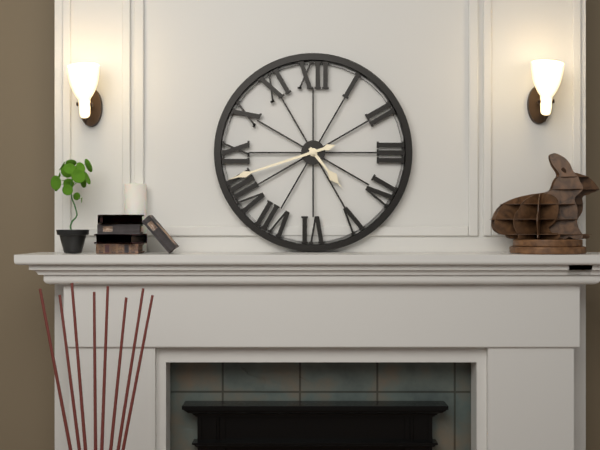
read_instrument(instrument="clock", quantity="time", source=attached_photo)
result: 4:42
